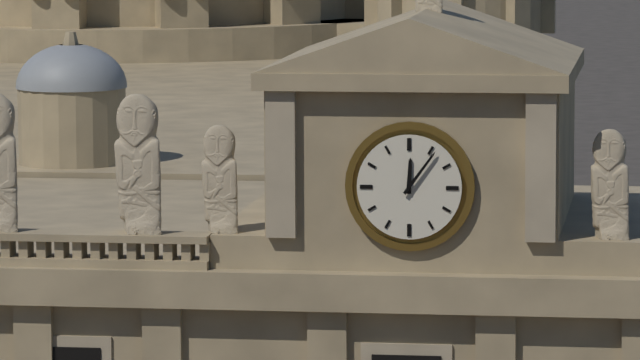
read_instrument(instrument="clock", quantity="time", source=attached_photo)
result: 12:06
